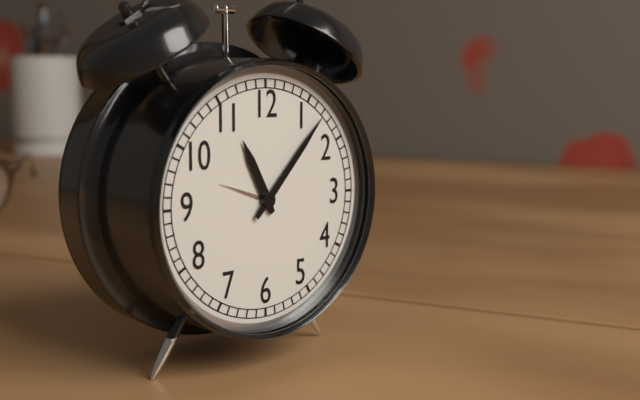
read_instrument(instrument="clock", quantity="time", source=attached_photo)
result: 11:07
